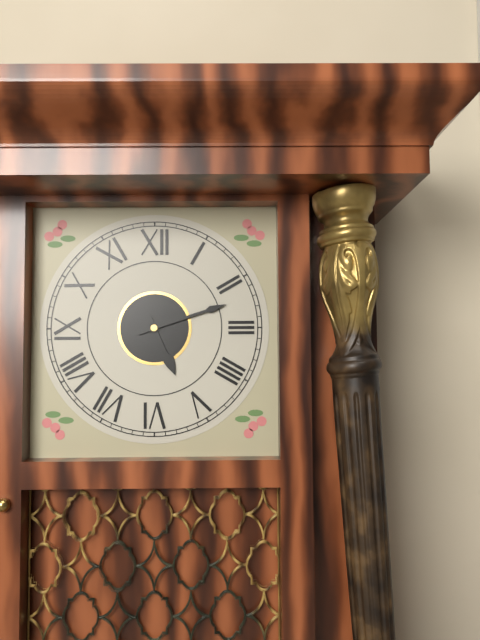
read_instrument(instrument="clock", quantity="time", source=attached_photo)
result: 5:12
